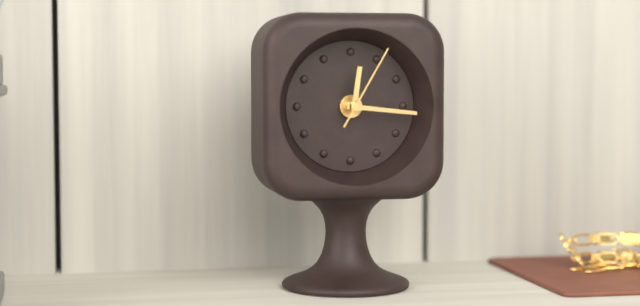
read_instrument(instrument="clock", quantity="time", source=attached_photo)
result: 12:16:05
